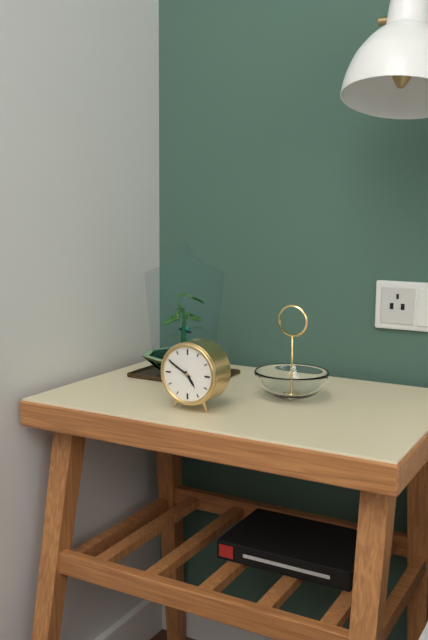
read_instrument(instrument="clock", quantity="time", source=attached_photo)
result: 4:50
